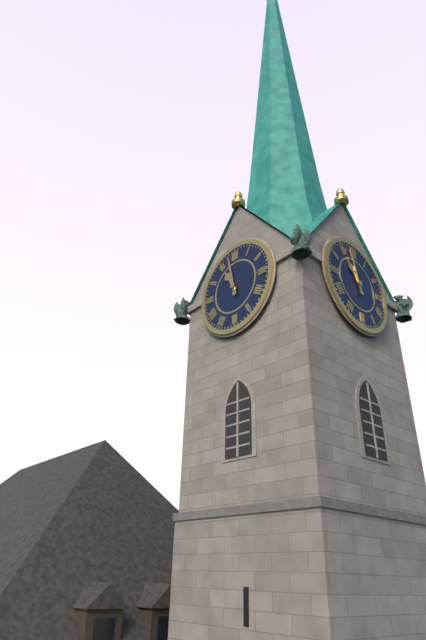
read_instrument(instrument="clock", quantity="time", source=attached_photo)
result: 10:58
